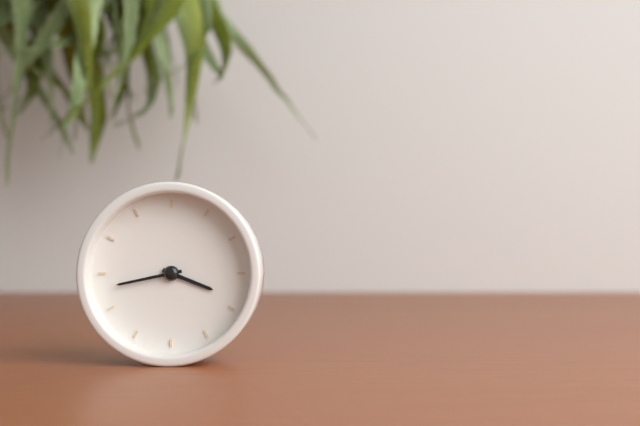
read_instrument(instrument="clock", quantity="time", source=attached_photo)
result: 3:43
